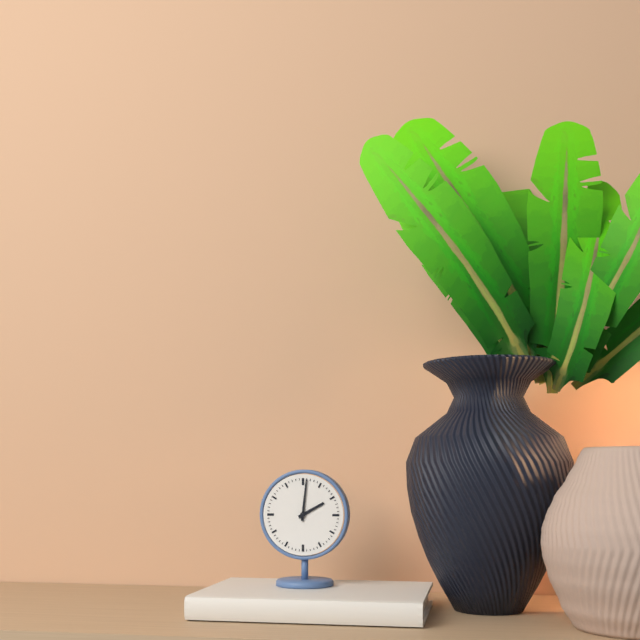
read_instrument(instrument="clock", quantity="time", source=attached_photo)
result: 2:01
